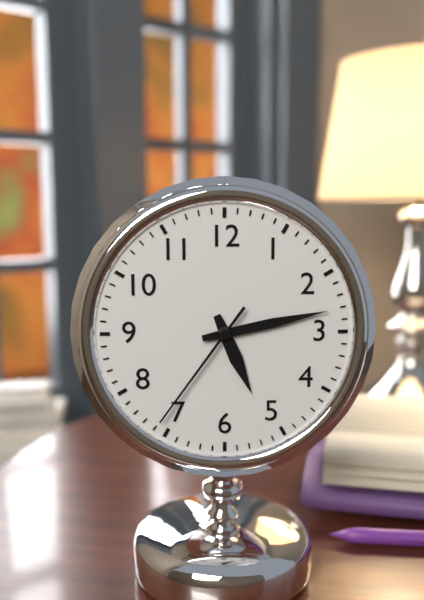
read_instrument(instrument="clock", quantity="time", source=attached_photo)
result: 5:13:36
